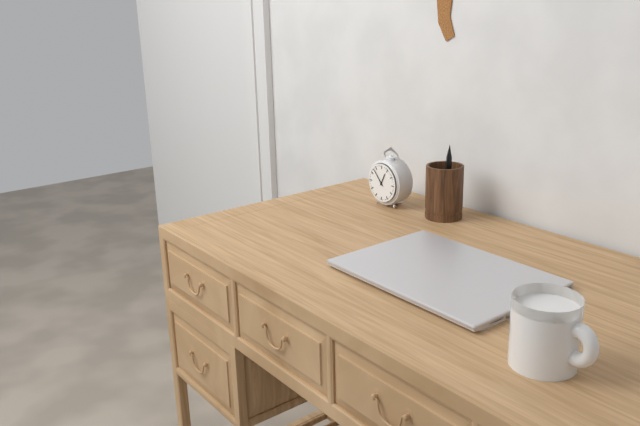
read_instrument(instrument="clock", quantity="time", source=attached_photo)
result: 12:53
